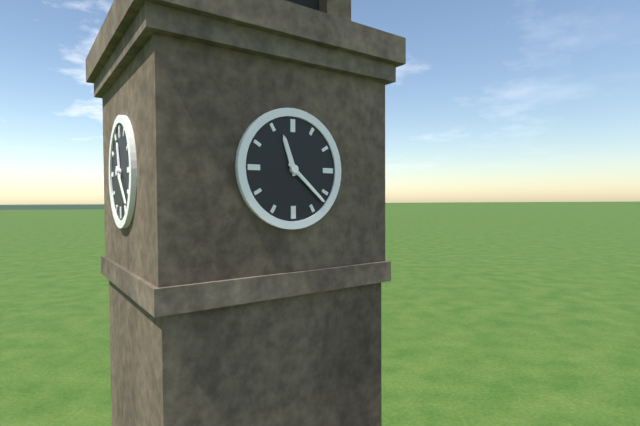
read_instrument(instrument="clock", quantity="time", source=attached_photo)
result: 11:22
